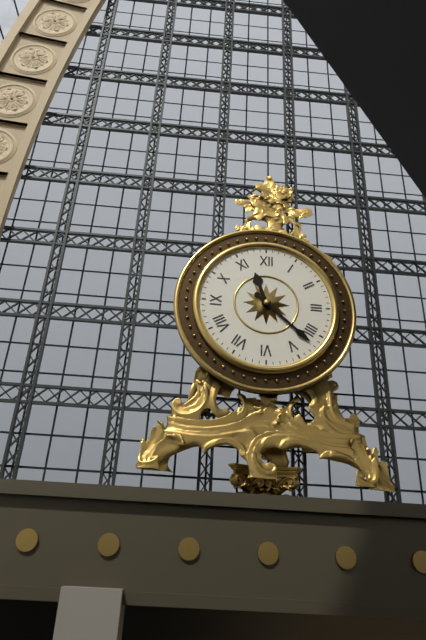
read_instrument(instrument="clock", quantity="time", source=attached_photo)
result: 11:22
